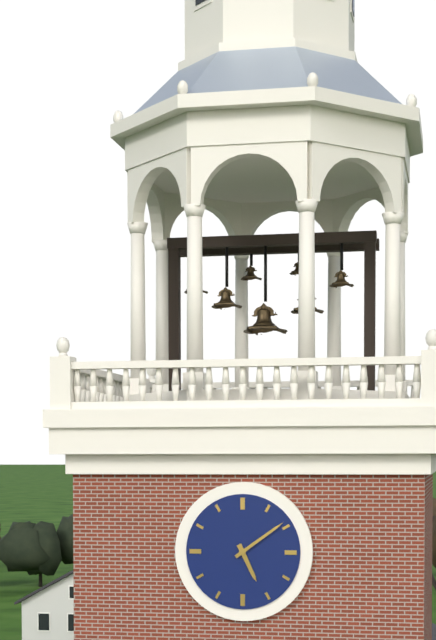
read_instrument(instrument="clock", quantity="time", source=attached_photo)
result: 5:09
